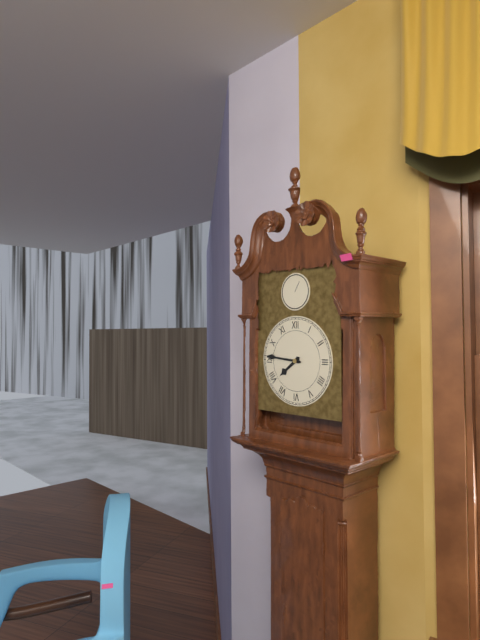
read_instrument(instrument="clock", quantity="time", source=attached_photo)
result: 7:46
